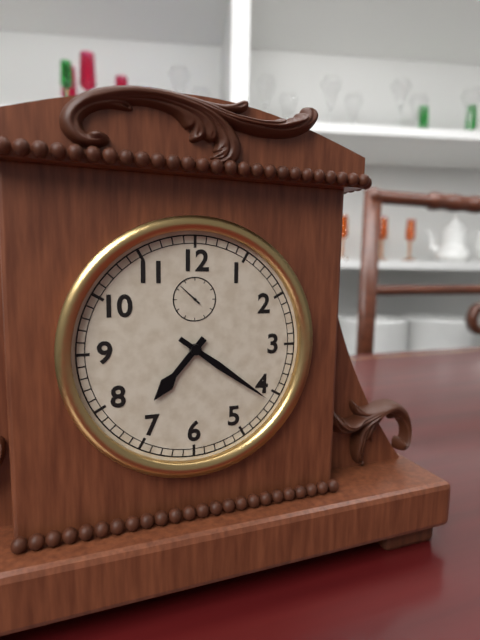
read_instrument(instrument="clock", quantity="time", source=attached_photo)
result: 7:21
